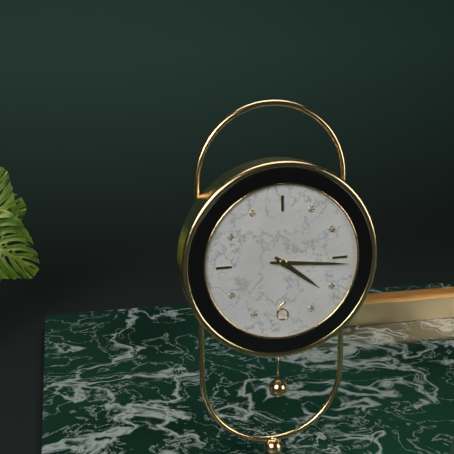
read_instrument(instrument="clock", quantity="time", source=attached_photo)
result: 4:16
